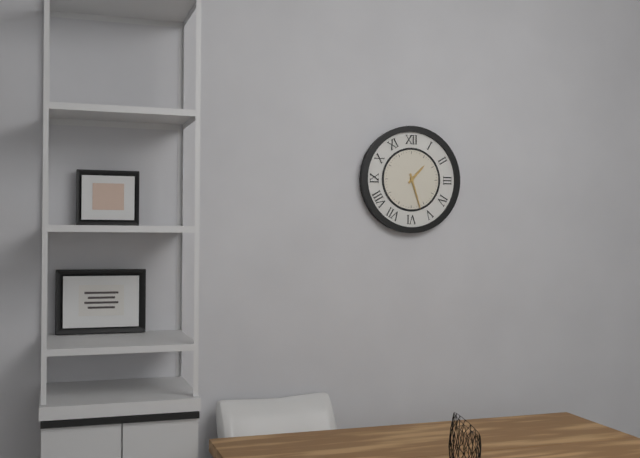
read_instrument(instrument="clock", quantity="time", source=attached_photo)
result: 1:27
